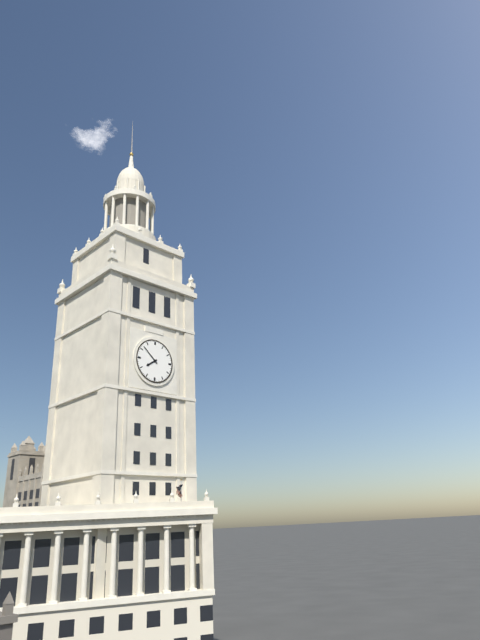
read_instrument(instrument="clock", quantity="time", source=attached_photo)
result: 7:52
